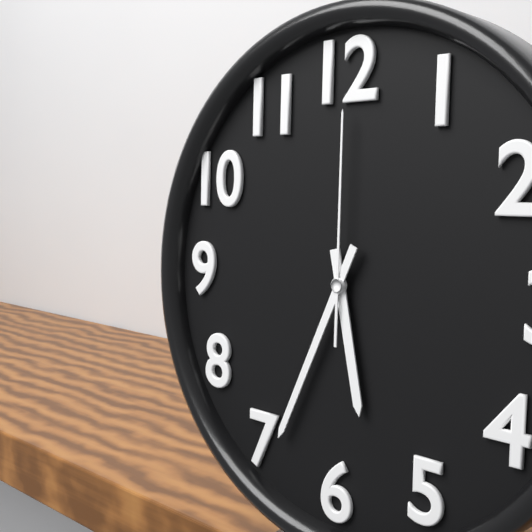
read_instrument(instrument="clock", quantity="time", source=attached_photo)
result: 5:34:00
